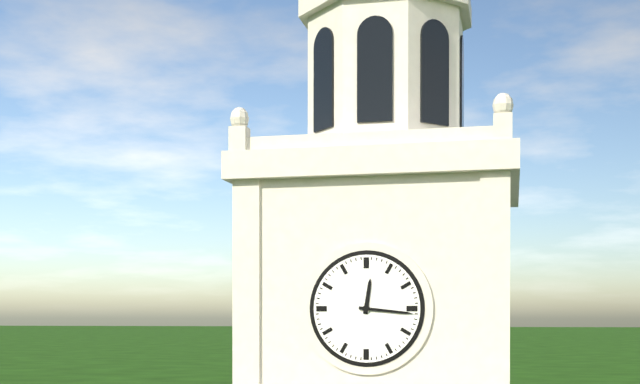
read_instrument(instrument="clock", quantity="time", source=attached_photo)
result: 12:16
